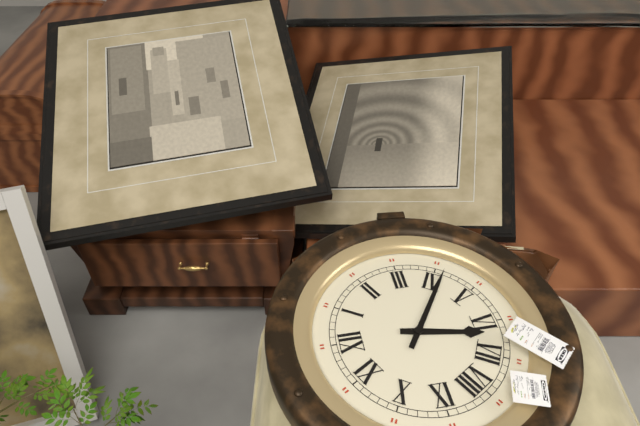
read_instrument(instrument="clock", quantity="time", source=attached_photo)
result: 6:21
